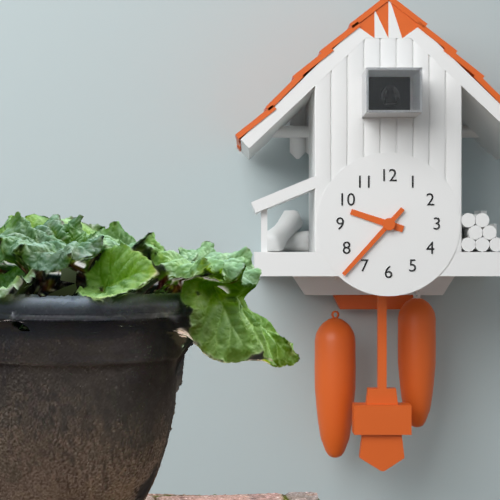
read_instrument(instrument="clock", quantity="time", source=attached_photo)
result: 9:37
